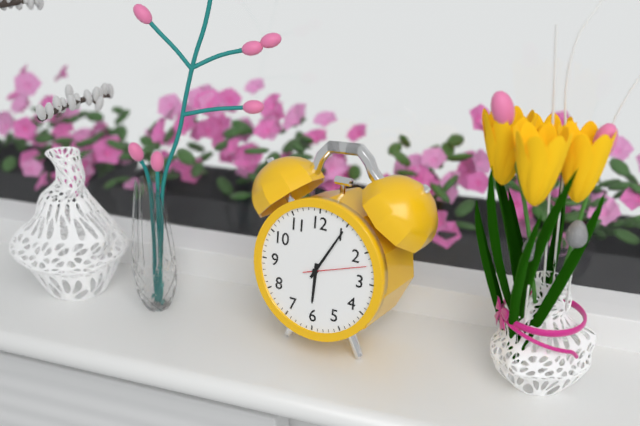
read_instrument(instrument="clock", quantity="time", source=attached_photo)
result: 6:05:12
